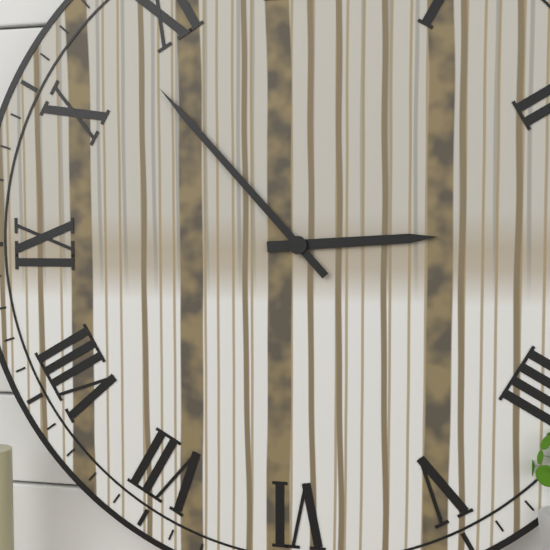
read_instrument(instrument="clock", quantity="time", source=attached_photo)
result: 2:53
